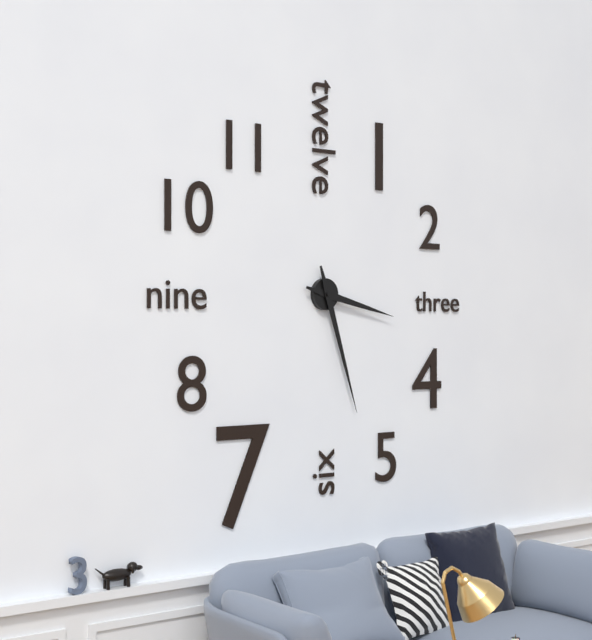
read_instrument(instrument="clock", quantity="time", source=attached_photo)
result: 3:27
